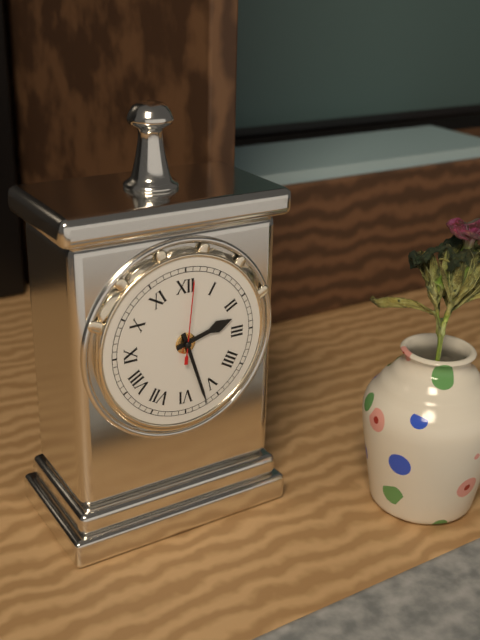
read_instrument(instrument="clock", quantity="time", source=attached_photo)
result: 2:27:01
